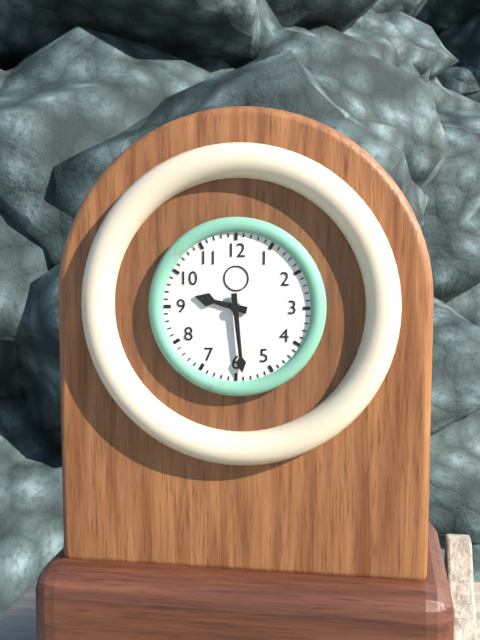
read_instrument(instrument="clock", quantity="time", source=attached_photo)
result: 9:29
